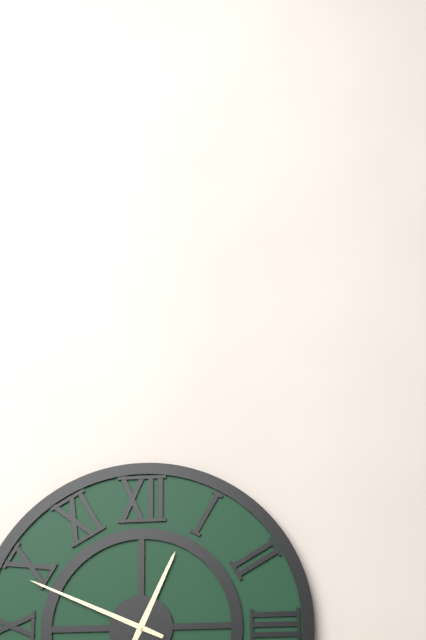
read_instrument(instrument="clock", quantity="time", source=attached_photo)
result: 12:49
